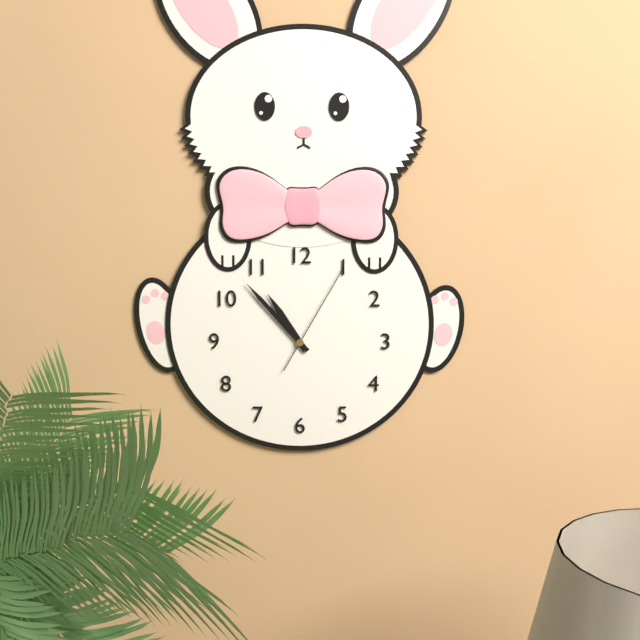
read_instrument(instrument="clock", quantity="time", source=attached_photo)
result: 10:53:05
